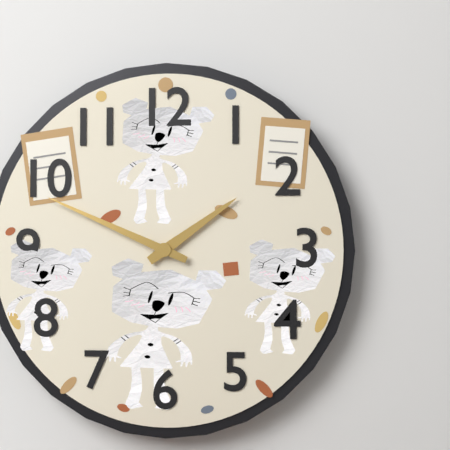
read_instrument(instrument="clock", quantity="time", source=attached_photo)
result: 1:49
